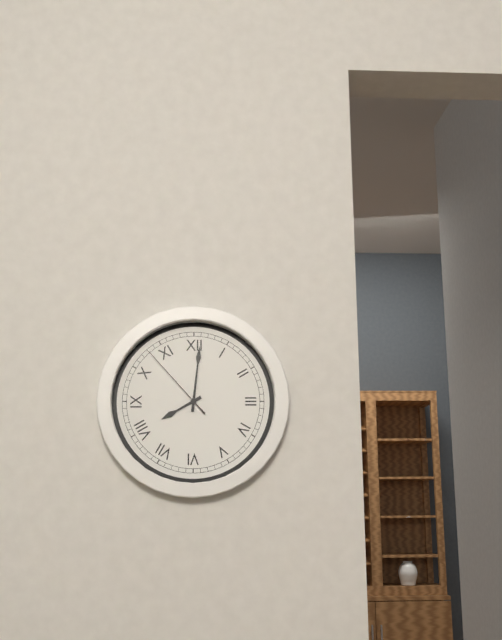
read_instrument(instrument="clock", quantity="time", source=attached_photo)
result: 8:01:53
